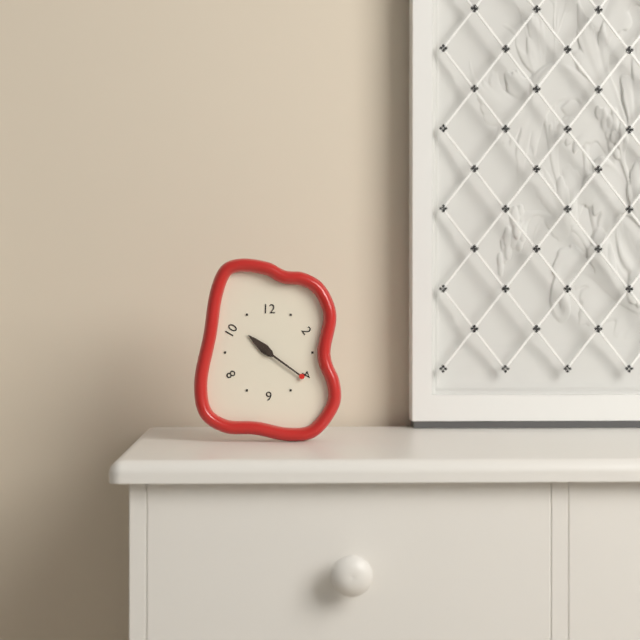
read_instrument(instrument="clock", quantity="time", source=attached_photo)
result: 10:21
